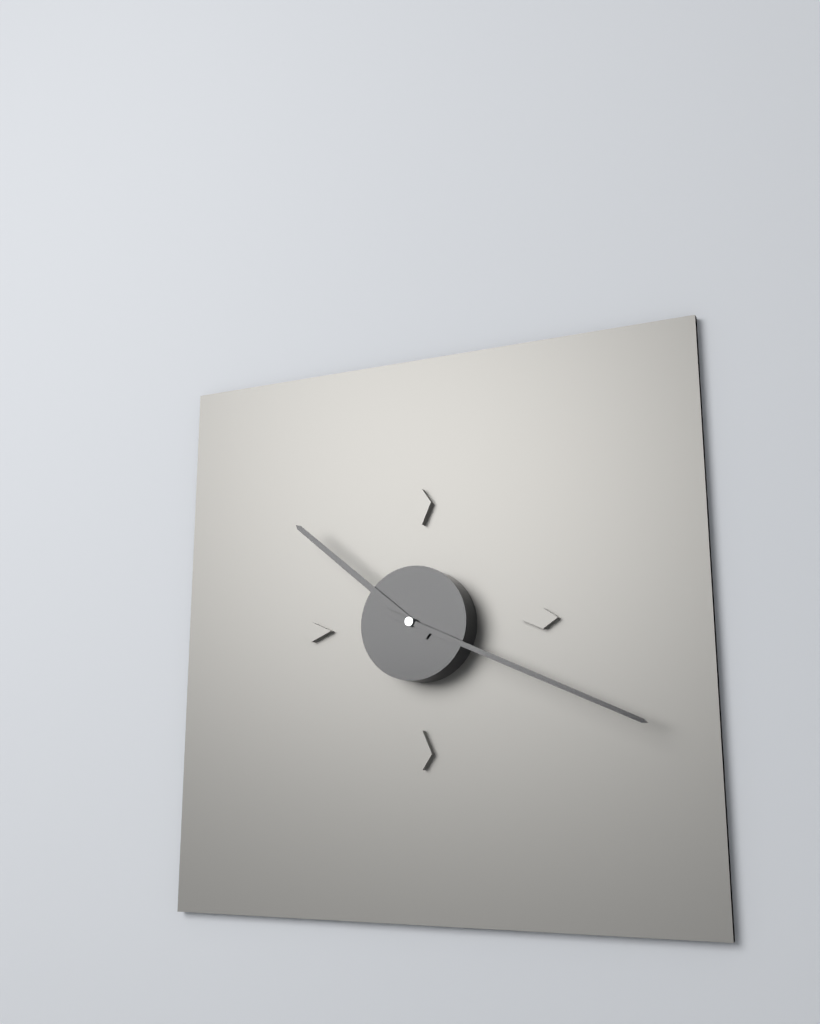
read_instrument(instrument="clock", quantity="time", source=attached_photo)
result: 10:19
